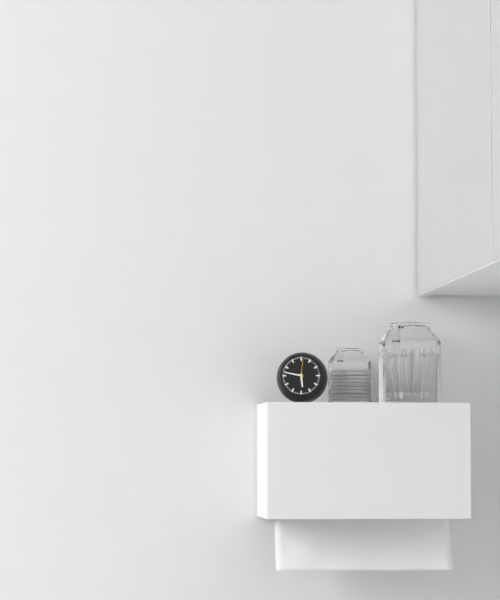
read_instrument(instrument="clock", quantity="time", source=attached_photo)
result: 5:47
